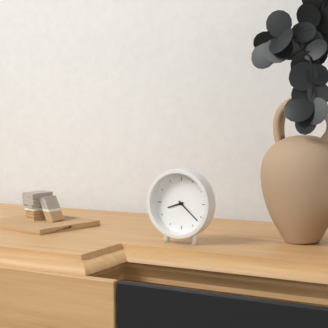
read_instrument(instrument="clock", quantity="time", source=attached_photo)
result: 8:22
